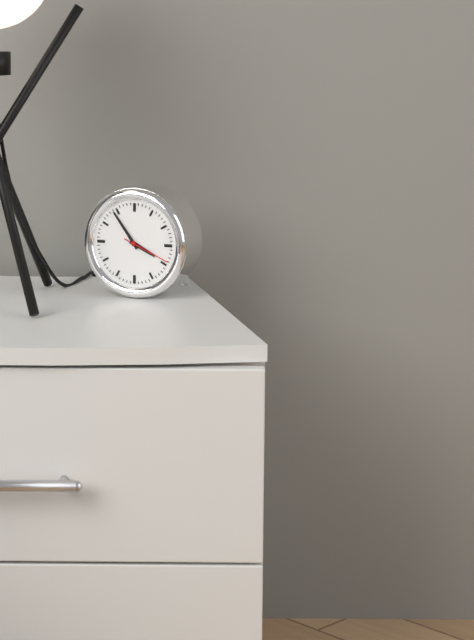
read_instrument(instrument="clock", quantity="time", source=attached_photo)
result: 3:54
